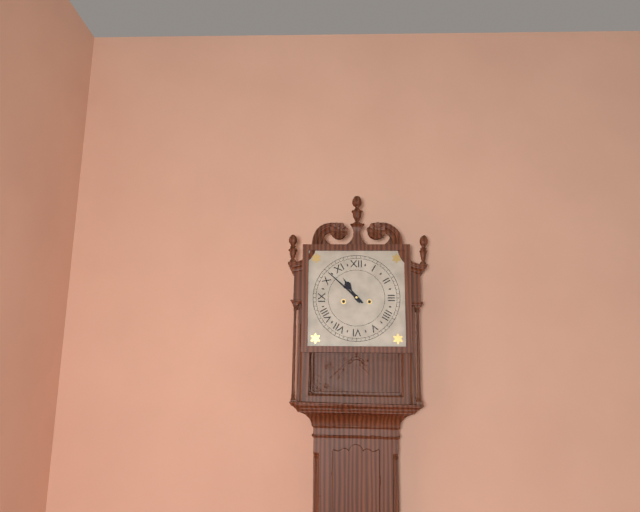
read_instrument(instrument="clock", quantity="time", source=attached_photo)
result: 10:52
